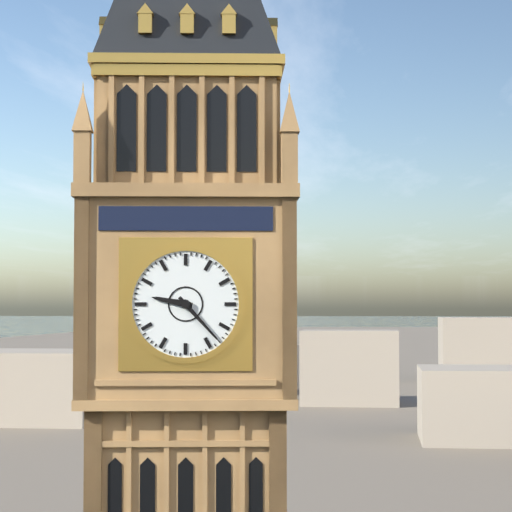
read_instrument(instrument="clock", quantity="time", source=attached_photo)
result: 9:23
